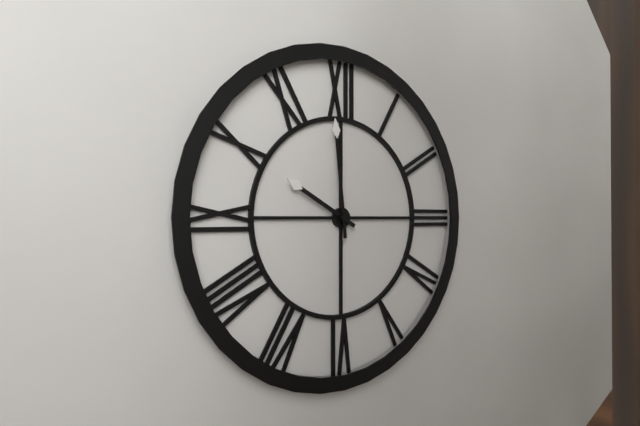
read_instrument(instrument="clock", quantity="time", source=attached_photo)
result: 9:59
